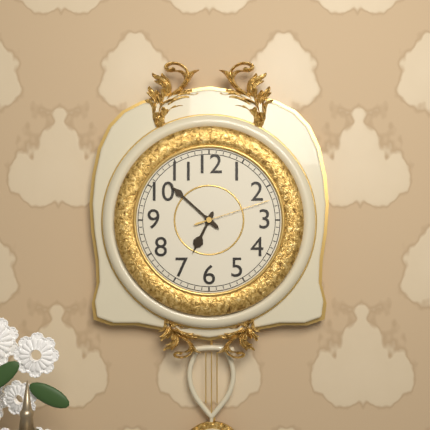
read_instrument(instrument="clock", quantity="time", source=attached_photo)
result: 6:52:12
